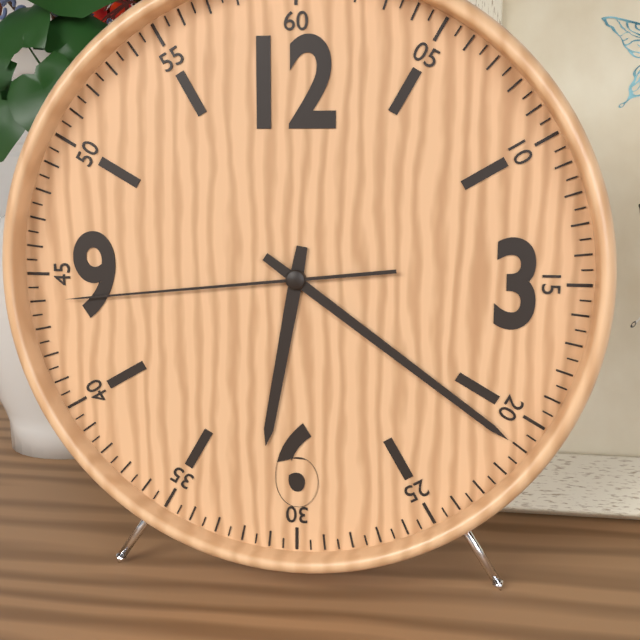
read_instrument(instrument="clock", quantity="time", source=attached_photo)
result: 6:21:44
